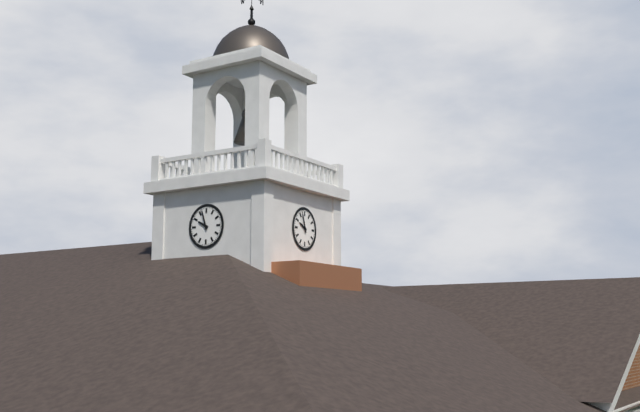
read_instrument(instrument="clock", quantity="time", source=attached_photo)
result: 9:57
